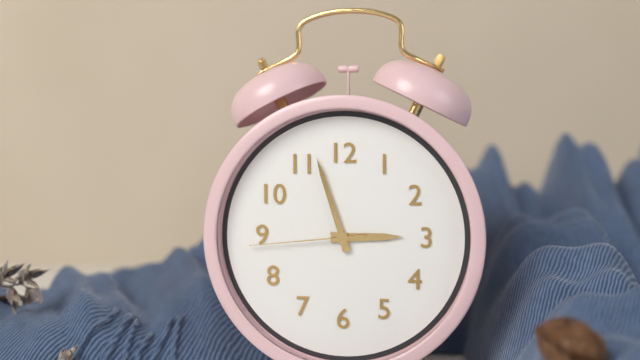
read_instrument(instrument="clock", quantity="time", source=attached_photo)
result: 2:57:44
